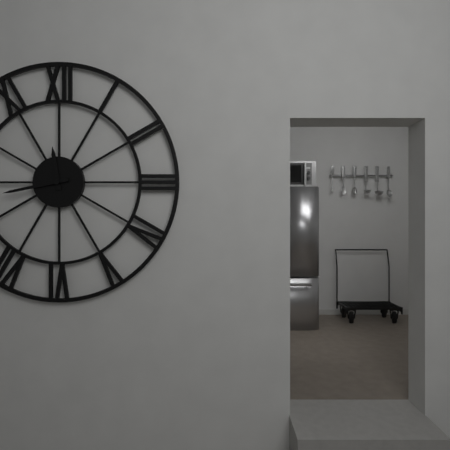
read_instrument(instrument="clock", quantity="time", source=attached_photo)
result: 11:43
